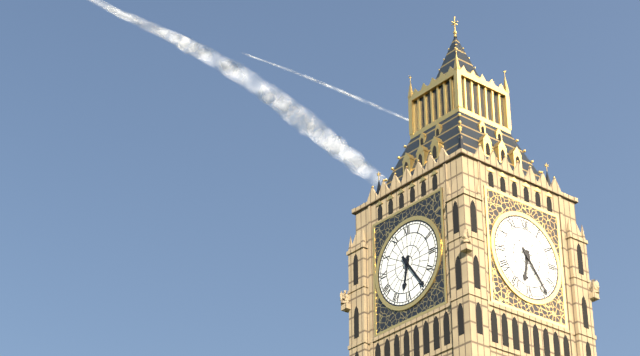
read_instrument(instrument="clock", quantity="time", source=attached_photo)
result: 6:24
